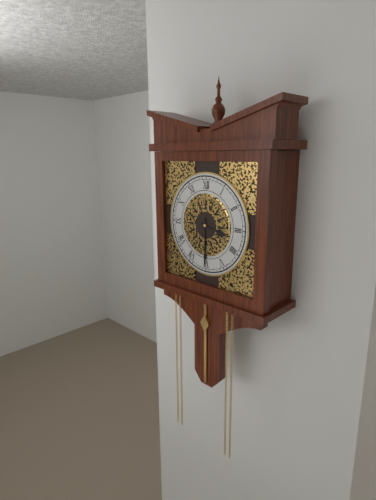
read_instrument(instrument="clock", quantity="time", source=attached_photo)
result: 3:30
